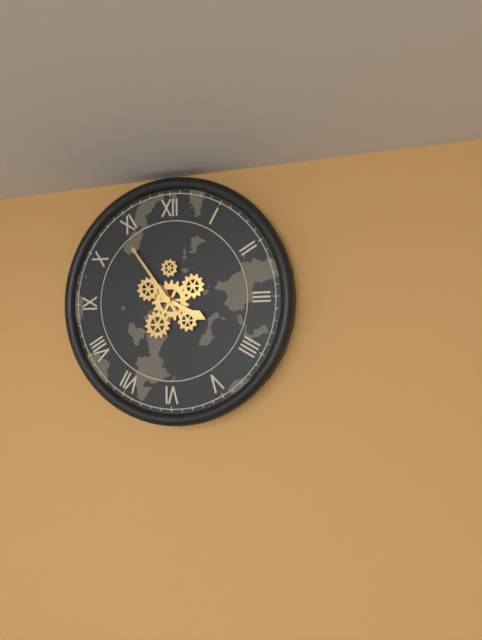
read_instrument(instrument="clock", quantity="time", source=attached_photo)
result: 3:54
